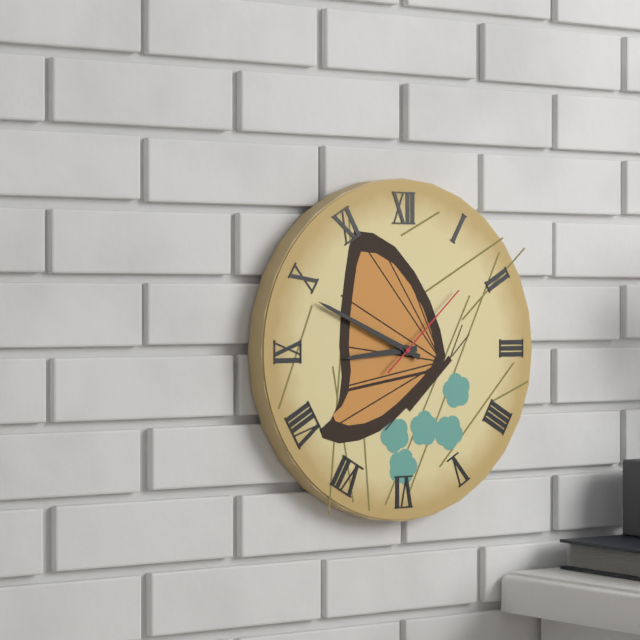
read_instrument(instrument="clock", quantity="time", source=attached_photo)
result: 8:49:08
